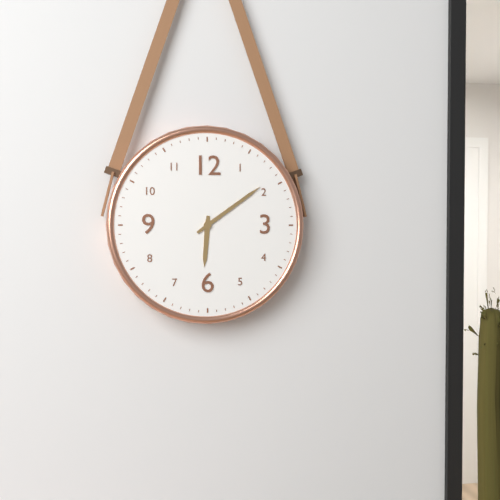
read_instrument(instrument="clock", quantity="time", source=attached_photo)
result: 6:09
